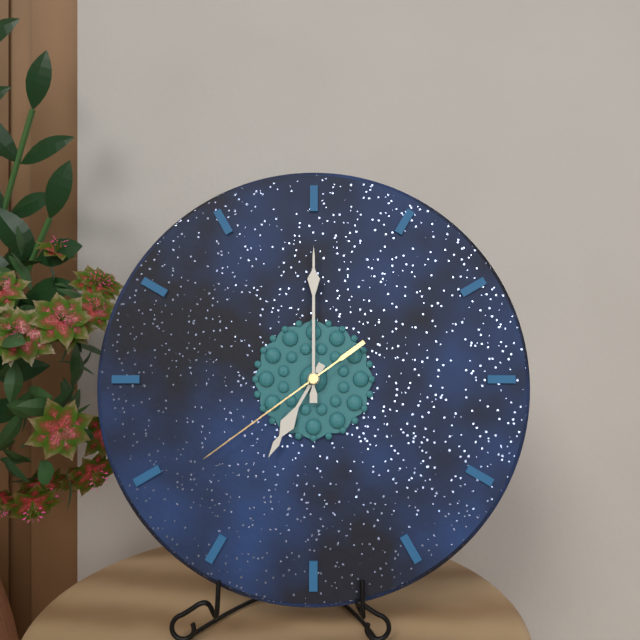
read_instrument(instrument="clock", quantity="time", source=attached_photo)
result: 7:00:39
